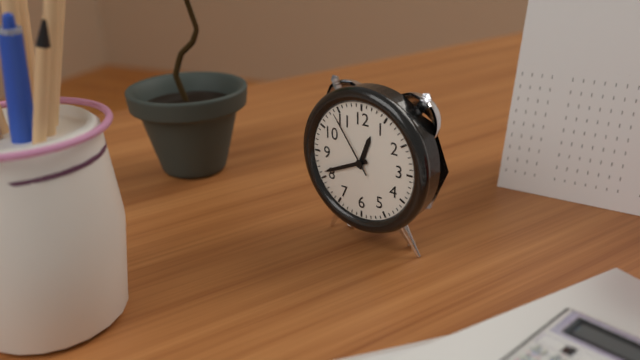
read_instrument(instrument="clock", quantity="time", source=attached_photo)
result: 12:41:54
